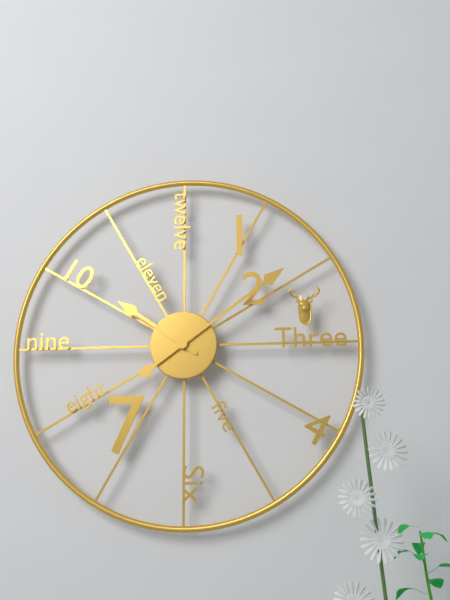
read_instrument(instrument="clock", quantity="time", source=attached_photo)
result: 10:09
